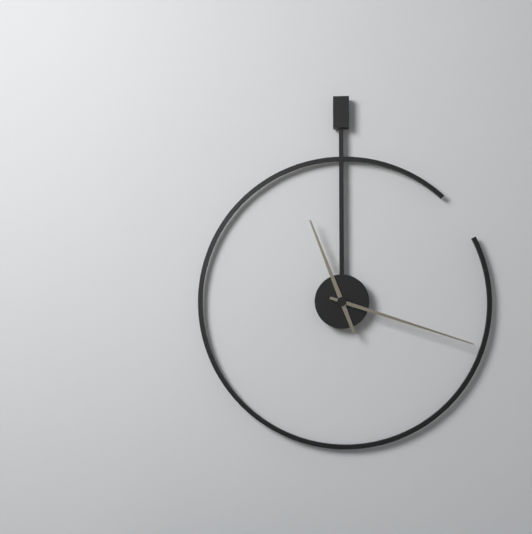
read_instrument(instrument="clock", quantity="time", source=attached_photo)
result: 11:18
